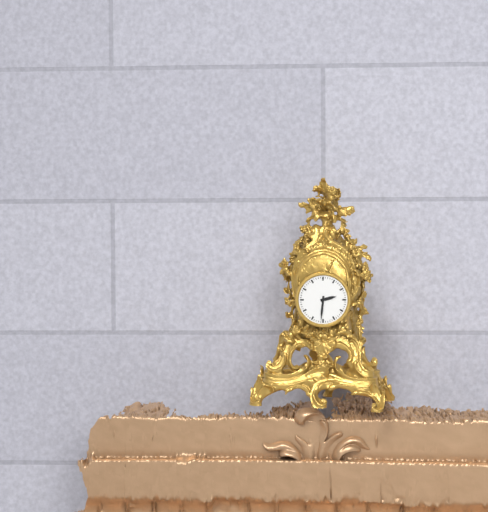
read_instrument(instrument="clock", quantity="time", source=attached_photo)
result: 2:31
